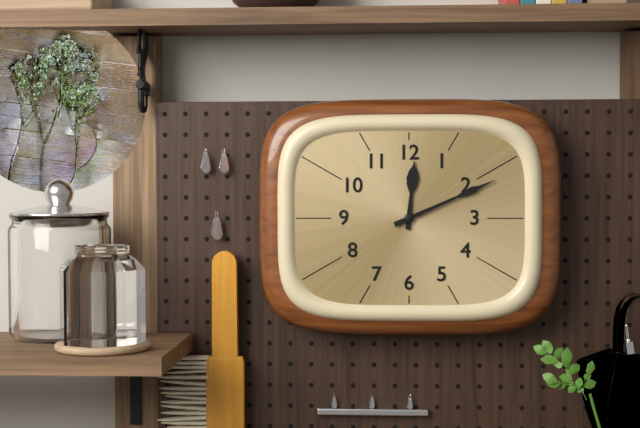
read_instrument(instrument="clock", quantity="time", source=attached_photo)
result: 12:11
